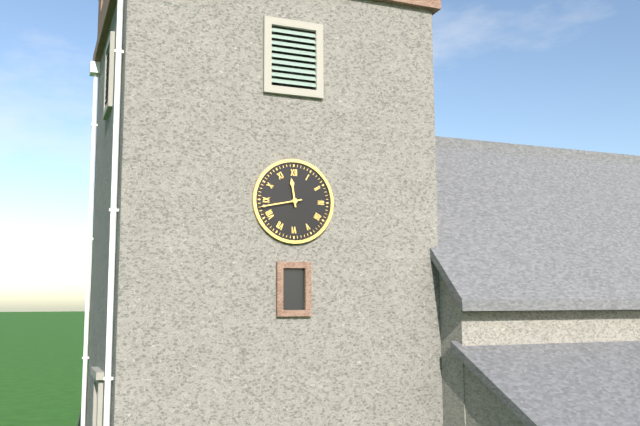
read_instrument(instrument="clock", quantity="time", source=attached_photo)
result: 11:43
